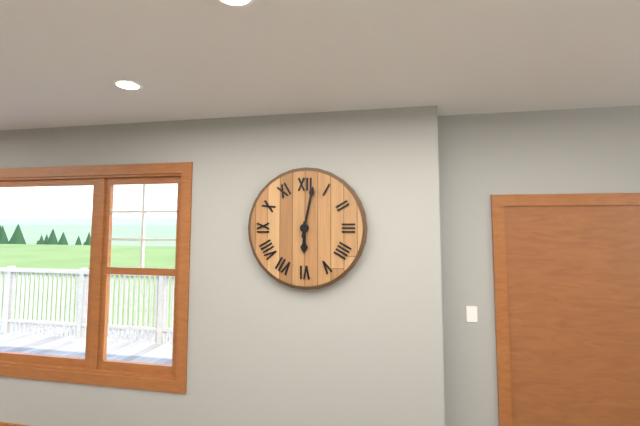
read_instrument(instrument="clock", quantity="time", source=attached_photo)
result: 6:02
